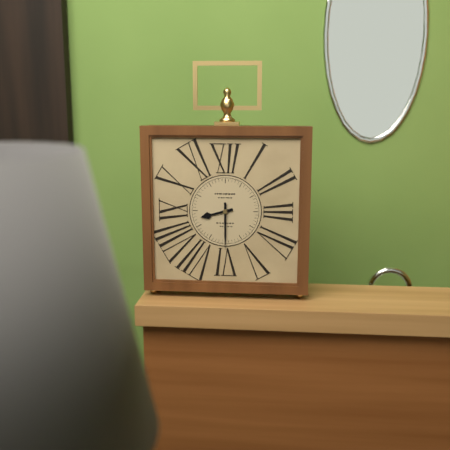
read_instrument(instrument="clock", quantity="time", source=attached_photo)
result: 8:30
